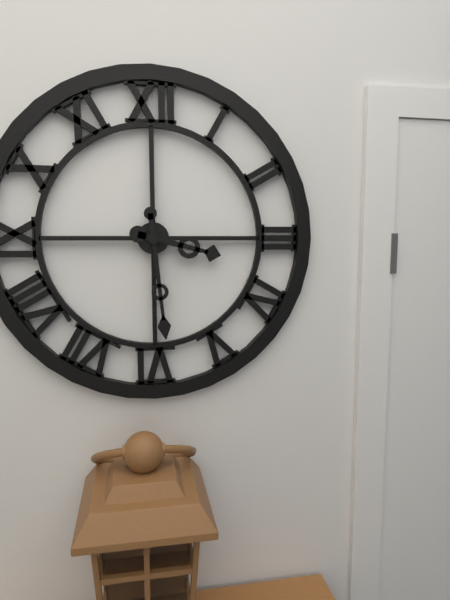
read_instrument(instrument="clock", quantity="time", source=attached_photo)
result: 3:29
